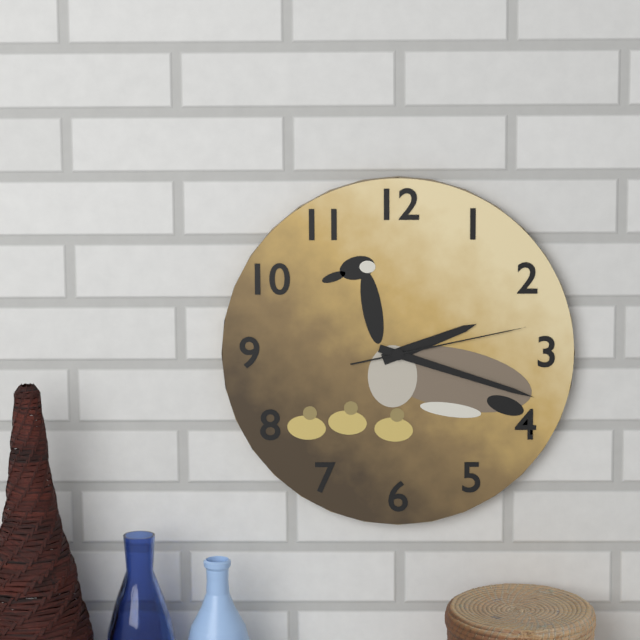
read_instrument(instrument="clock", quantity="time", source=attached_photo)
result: 2:18:13
